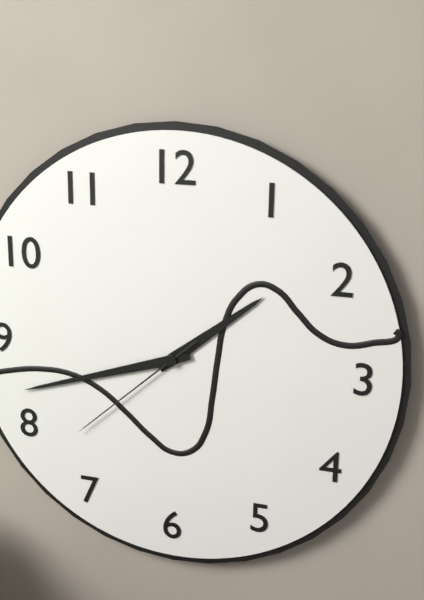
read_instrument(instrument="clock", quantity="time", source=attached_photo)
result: 1:42:38
